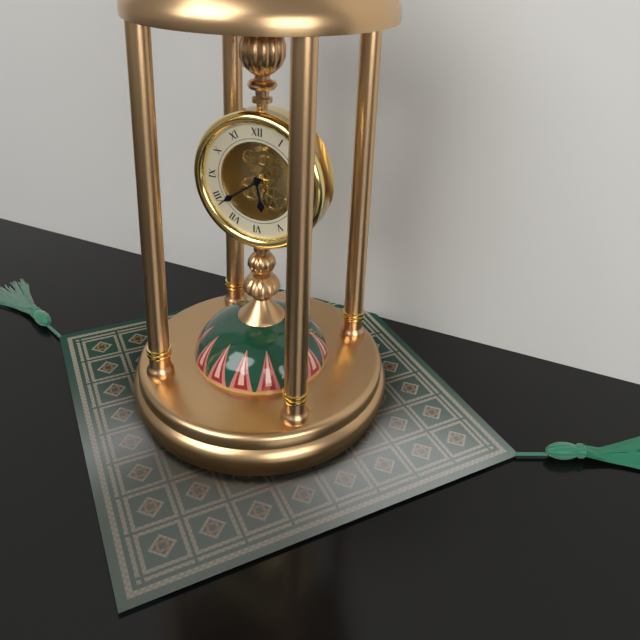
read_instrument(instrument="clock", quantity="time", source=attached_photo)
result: 5:39
